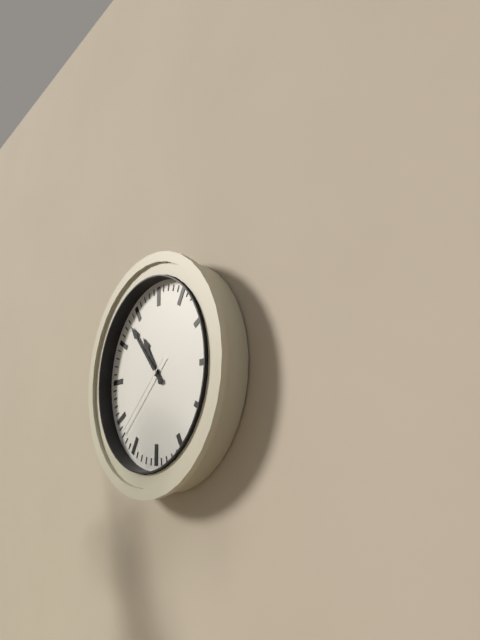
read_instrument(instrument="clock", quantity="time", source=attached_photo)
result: 10:53:38
